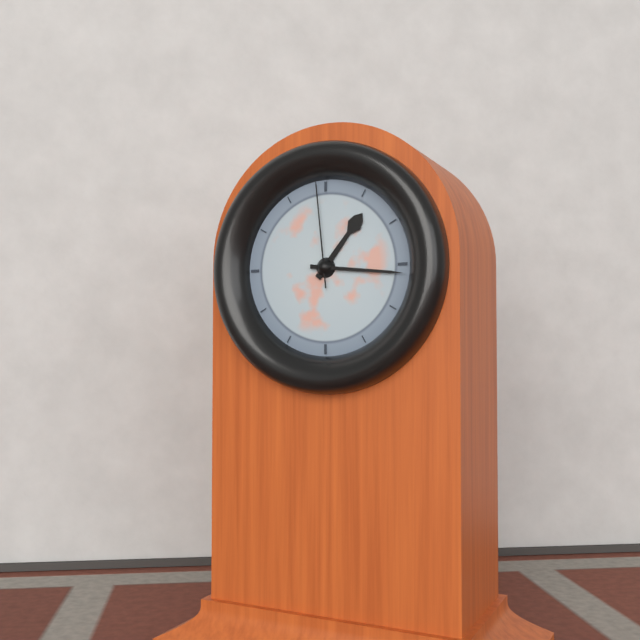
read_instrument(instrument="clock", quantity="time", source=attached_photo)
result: 1:16:59
